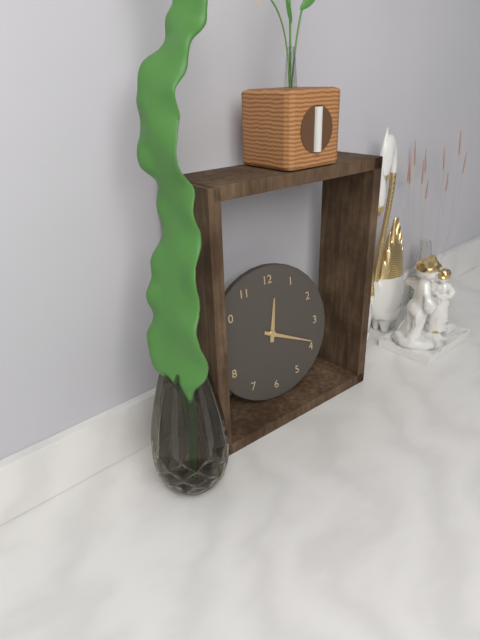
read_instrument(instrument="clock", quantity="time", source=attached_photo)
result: 12:19
